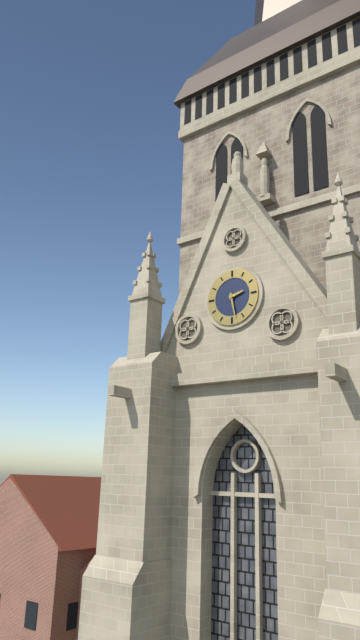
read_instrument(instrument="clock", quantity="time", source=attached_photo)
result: 2:28
